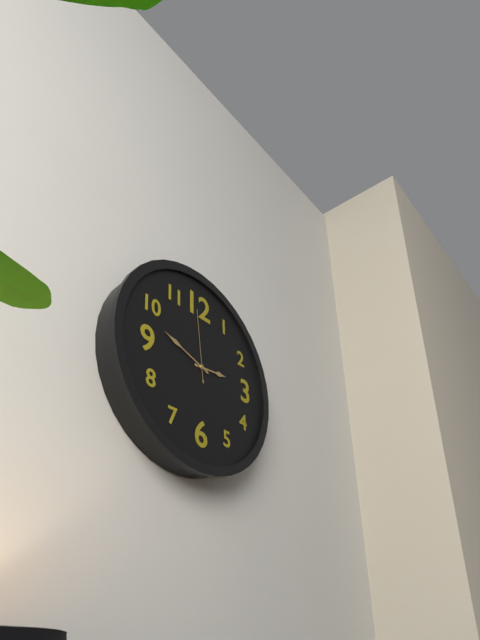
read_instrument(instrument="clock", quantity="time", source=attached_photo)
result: 2:48:59
